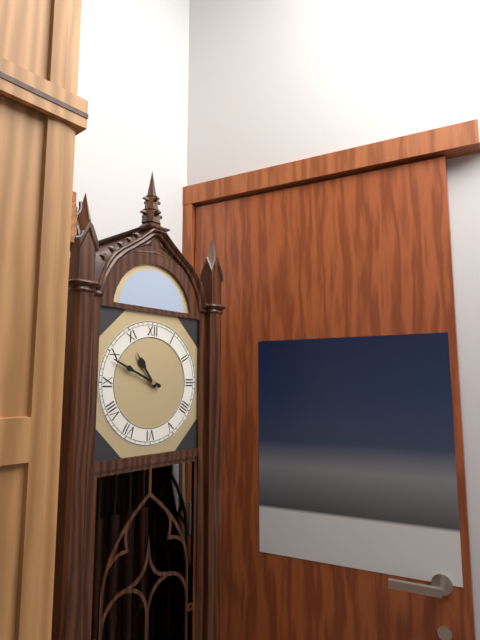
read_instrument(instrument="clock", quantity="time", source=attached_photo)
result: 10:49
